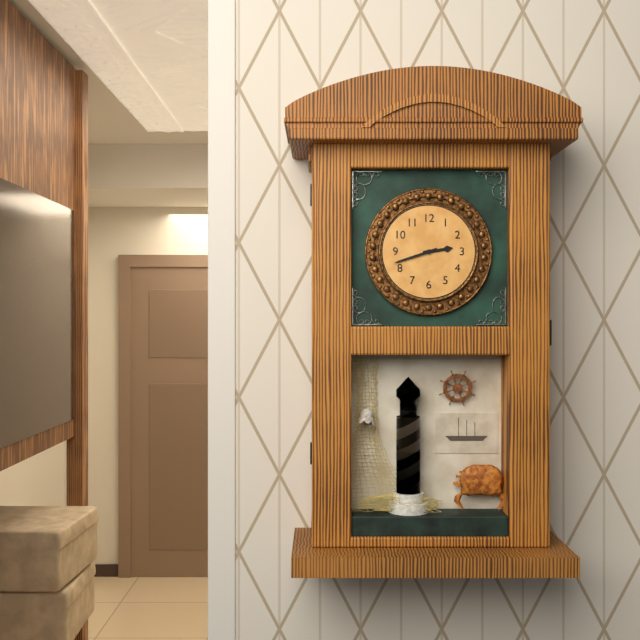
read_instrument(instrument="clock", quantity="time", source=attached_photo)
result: 2:42
